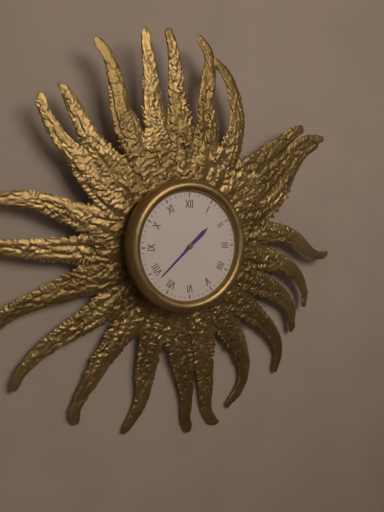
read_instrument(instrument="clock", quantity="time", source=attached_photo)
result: 1:38
